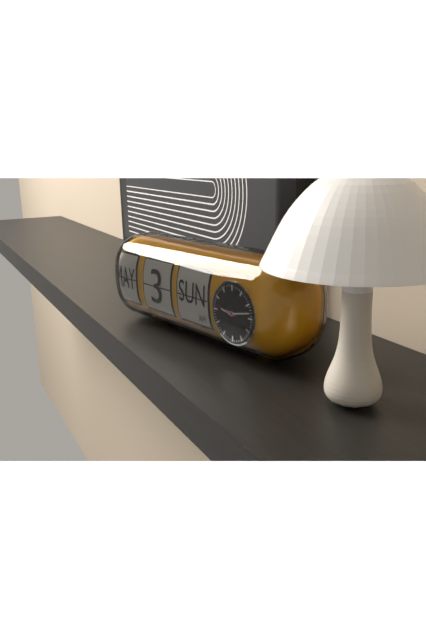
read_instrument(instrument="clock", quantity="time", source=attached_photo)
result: 9:13:47
